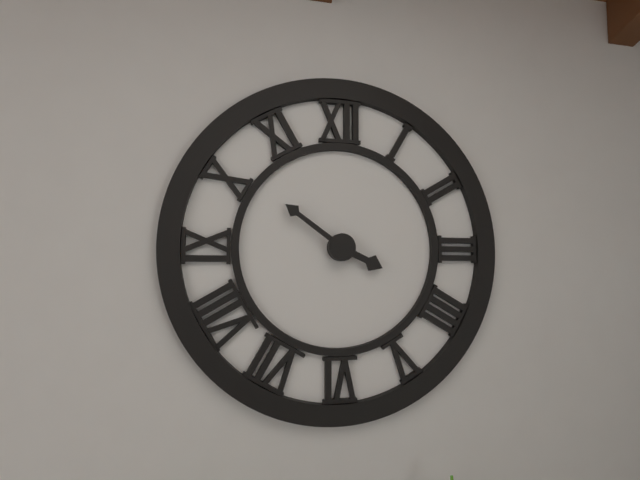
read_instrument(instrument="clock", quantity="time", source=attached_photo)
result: 3:51
